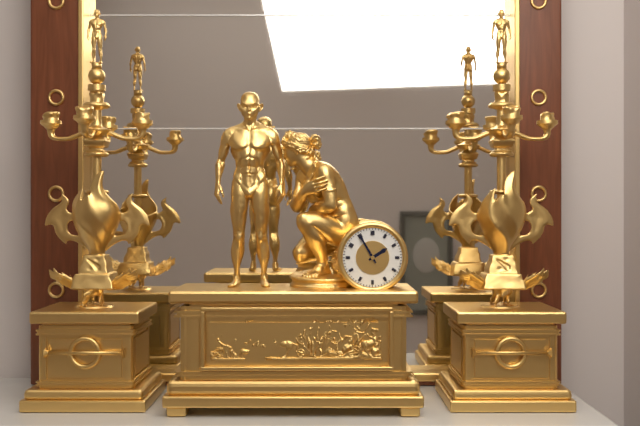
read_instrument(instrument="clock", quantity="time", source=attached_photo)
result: 1:55
